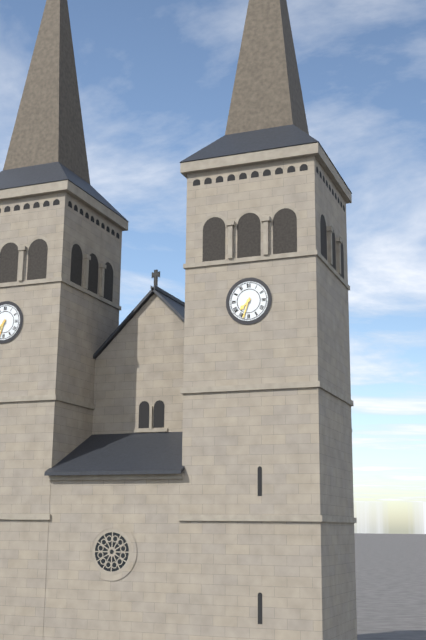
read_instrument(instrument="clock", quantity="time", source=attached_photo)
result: 7:33
